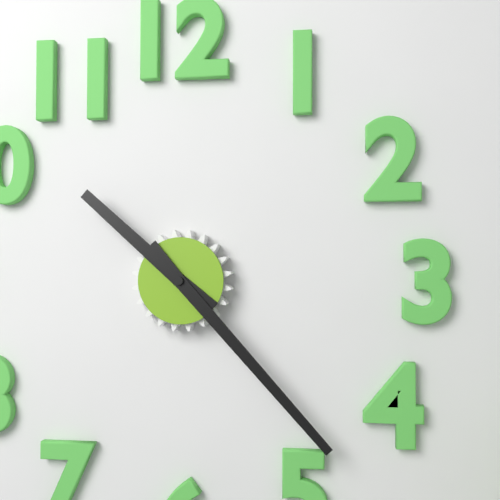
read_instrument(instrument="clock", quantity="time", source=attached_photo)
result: 10:23
